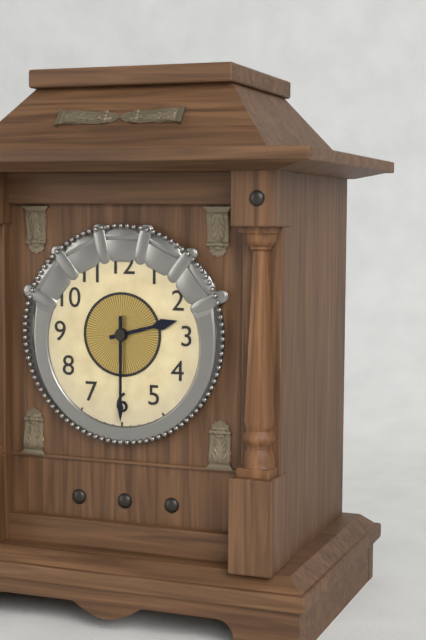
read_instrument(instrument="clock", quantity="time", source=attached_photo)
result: 2:30
